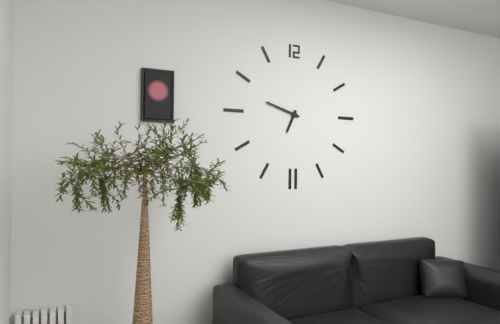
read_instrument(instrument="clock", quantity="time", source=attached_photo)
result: 6:48
